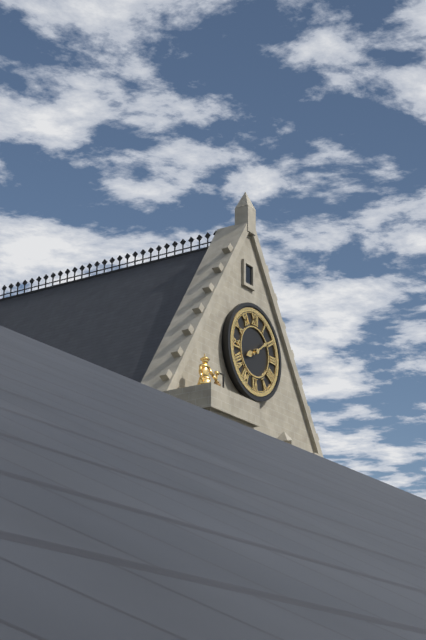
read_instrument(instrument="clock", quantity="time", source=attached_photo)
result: 8:09
